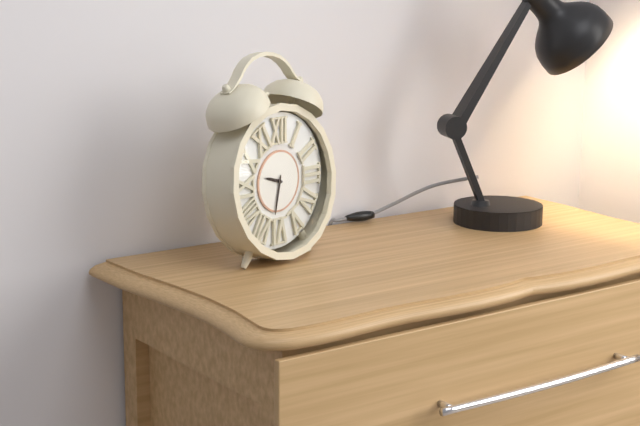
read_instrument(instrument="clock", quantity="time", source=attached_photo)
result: 9:32
